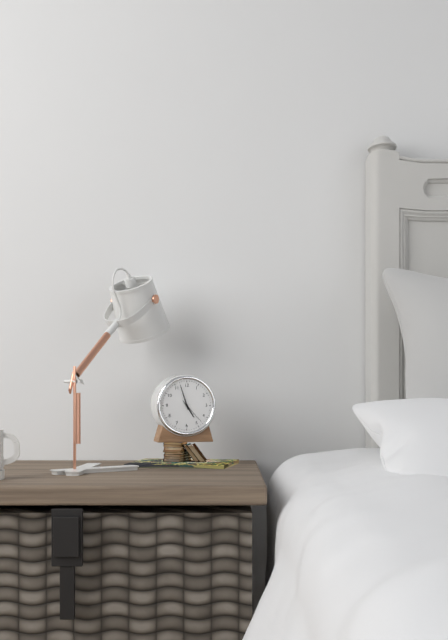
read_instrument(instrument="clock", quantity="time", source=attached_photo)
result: 4:57
